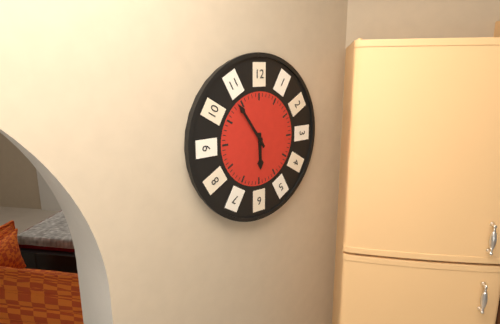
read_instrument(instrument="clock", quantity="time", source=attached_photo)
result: 5:54
